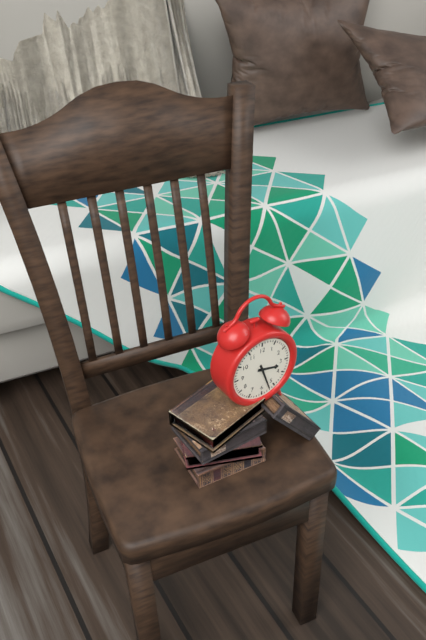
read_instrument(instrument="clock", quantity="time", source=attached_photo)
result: 3:27
